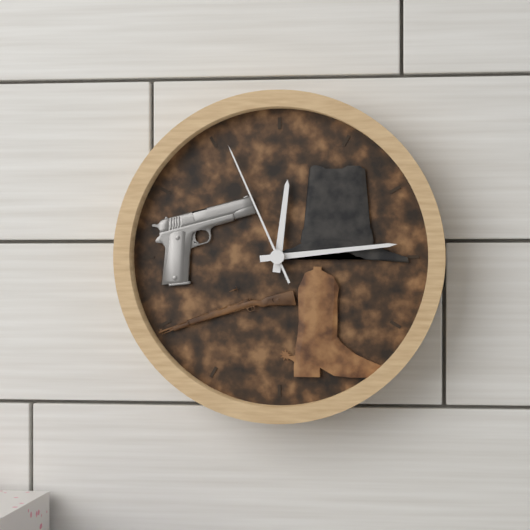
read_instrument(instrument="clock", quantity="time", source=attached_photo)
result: 12:14:56
